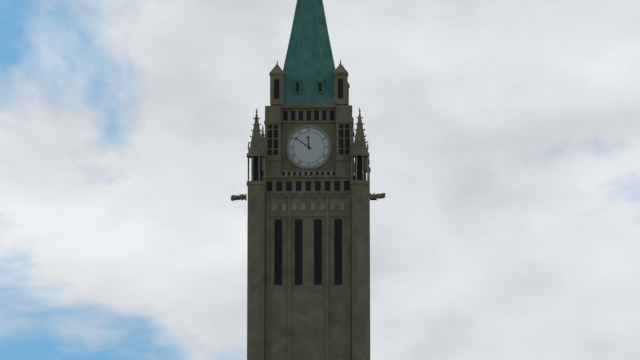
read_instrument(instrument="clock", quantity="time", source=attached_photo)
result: 11:51
